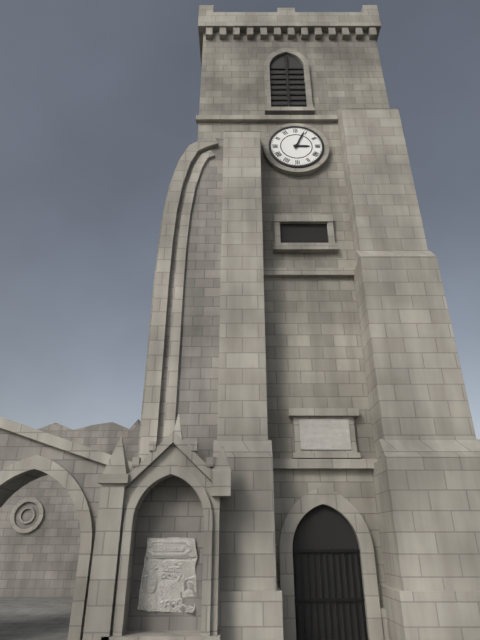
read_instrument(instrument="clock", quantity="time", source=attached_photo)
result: 3:04
